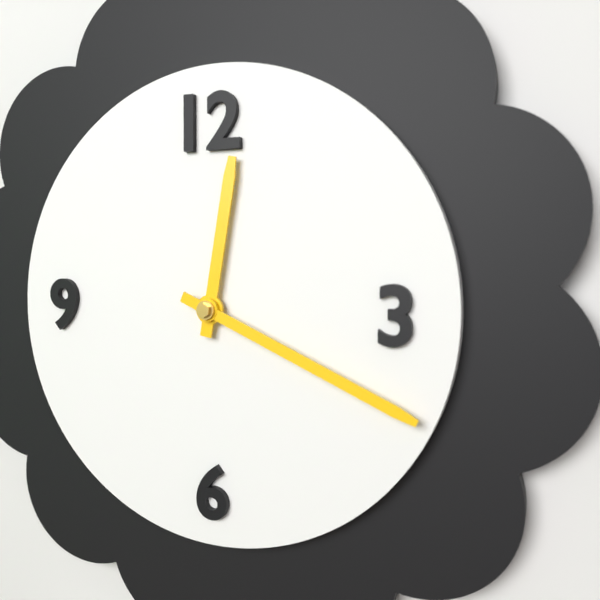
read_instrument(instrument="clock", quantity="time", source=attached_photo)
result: 12:19
